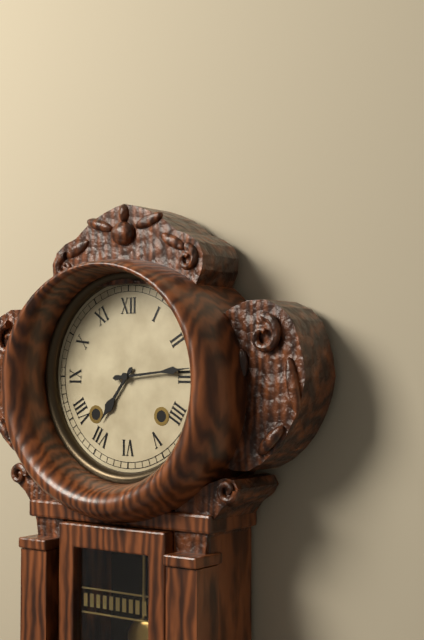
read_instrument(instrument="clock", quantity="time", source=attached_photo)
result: 7:14
